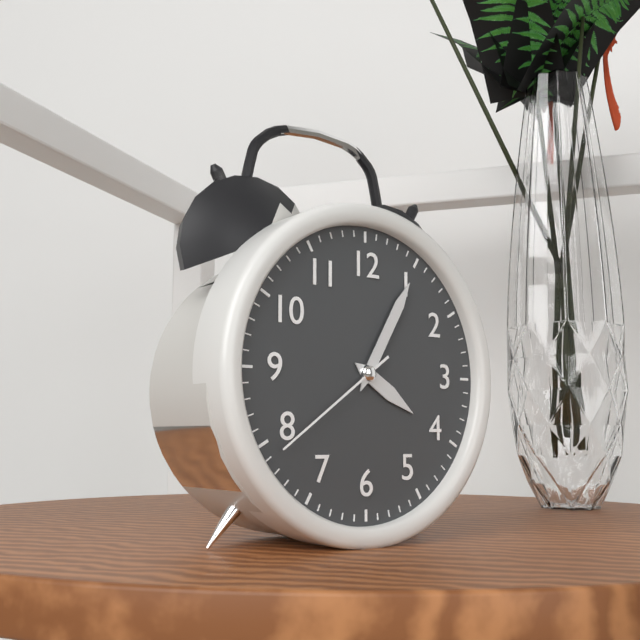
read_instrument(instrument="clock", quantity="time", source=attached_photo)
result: 4:05:39
